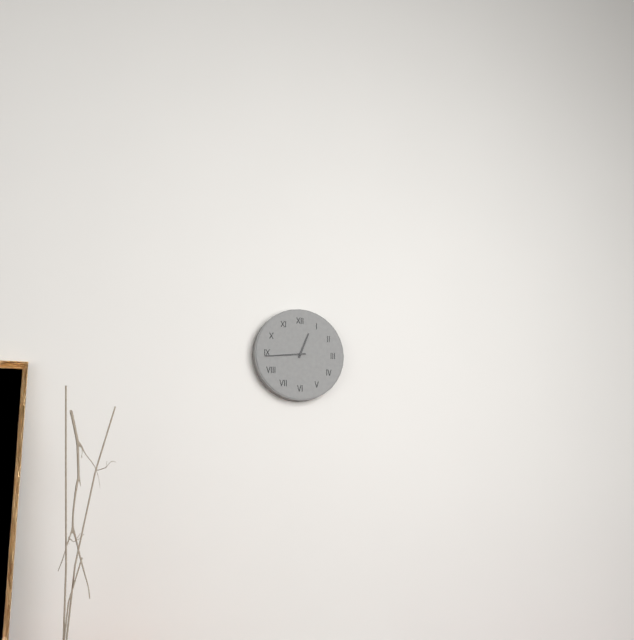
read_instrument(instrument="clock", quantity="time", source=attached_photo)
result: 12:44
